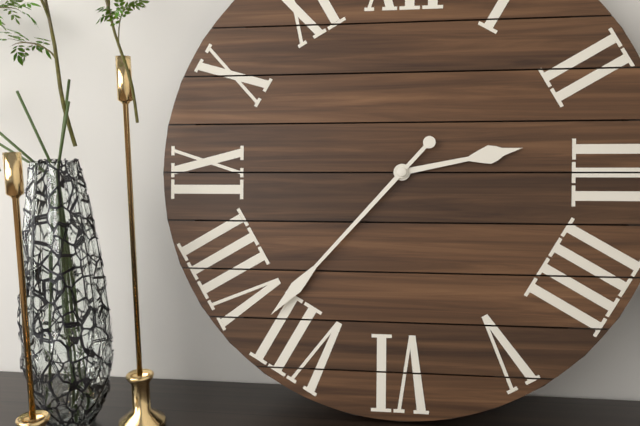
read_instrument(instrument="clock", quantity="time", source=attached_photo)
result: 2:37
